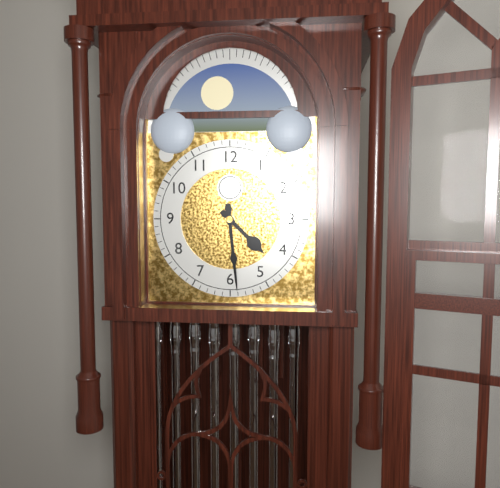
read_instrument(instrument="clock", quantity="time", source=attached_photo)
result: 4:29
